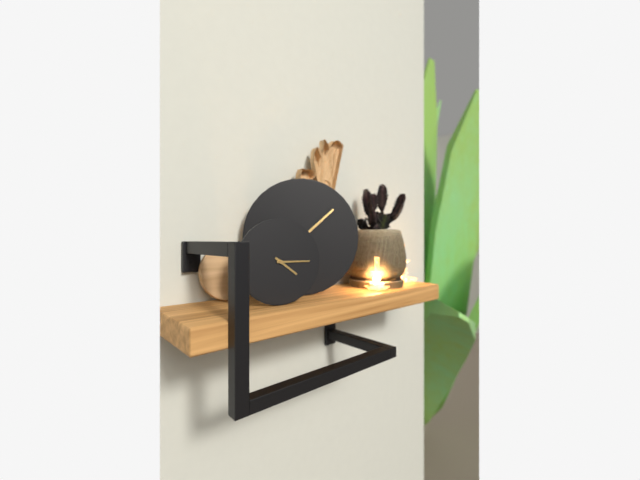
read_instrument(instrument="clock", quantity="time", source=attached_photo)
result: 4:15
